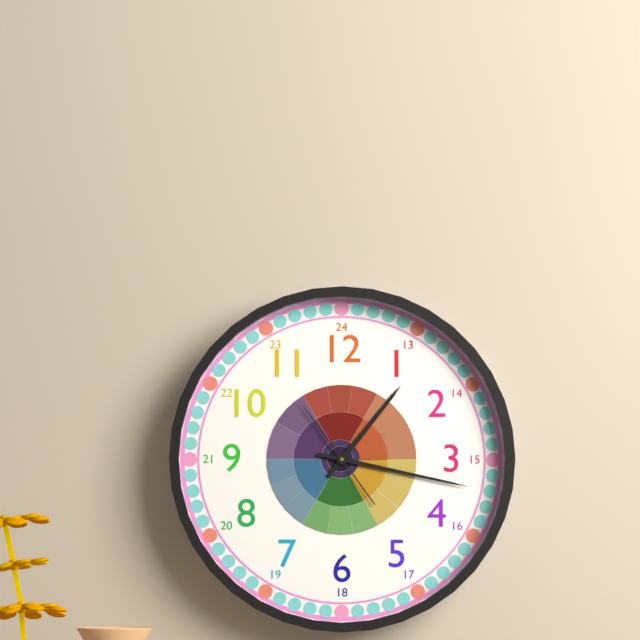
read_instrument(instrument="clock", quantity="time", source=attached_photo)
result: 1:17:54
